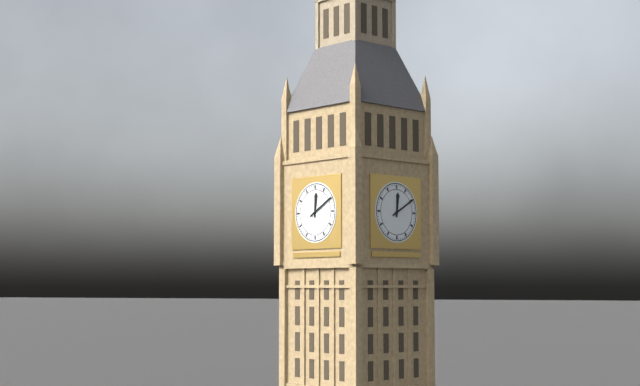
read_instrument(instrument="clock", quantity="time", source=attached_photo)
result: 12:10
